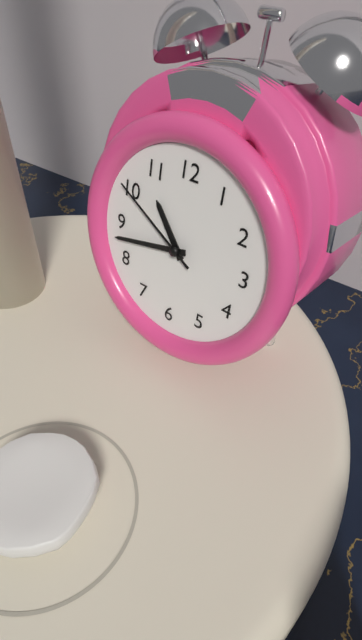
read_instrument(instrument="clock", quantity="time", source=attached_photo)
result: 10:43:50
